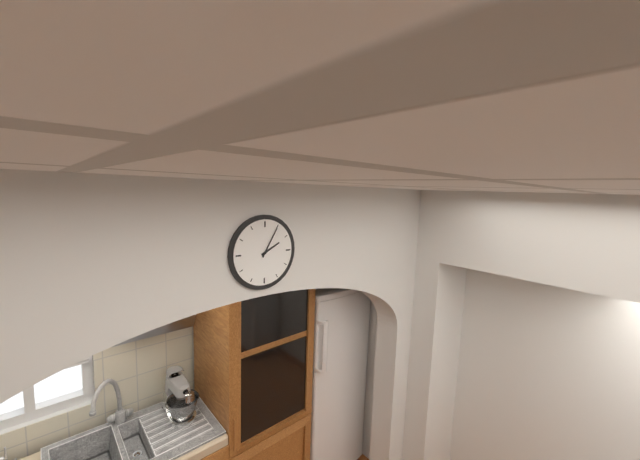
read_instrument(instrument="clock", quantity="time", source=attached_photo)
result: 2:05
